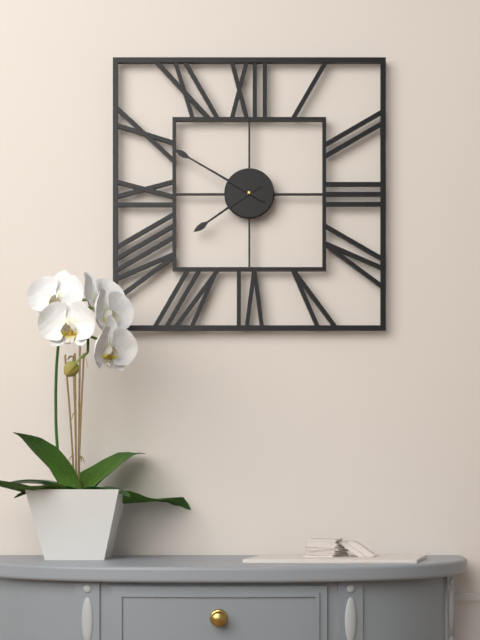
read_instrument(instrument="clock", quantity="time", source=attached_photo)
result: 7:50
